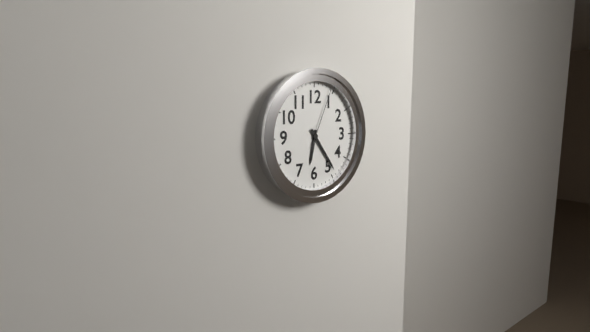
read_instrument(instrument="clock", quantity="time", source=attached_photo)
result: 6:24:04
